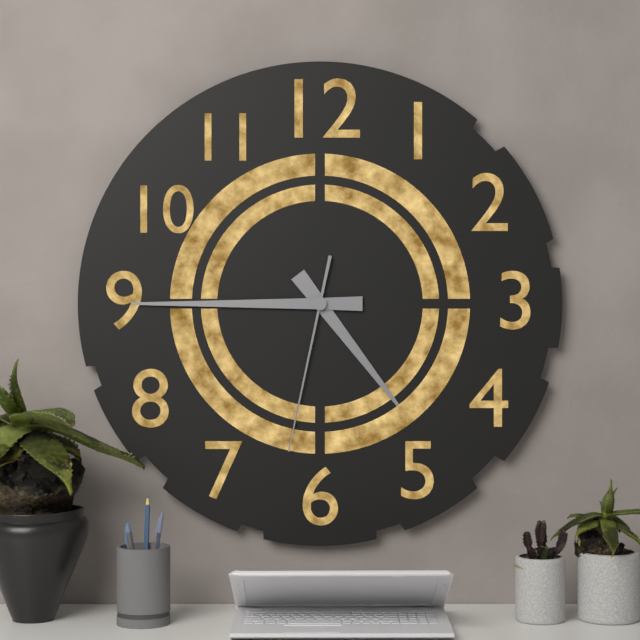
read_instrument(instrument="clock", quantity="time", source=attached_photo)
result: 4:45:32
